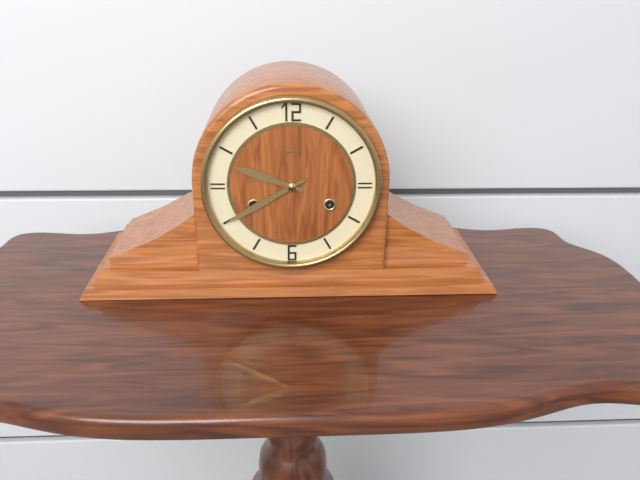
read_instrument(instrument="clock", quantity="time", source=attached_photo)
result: 9:40
